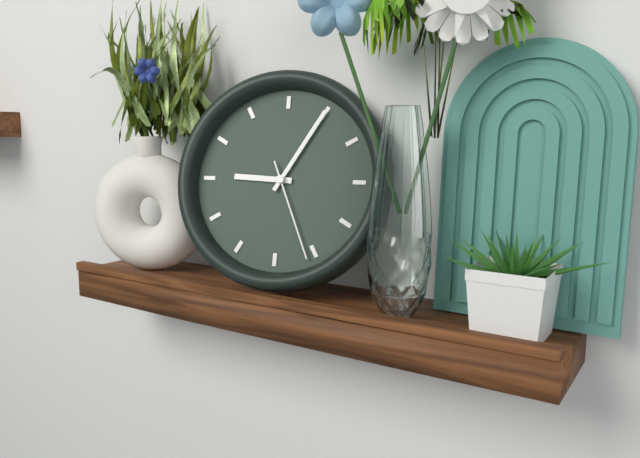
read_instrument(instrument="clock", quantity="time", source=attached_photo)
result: 9:05:26
